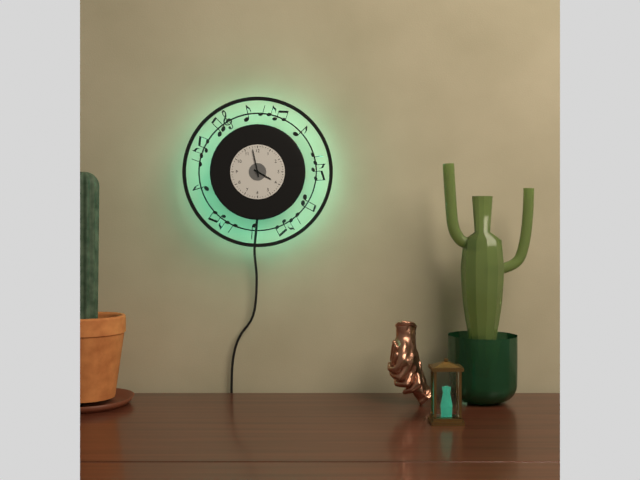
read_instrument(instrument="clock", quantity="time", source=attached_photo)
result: 3:58
